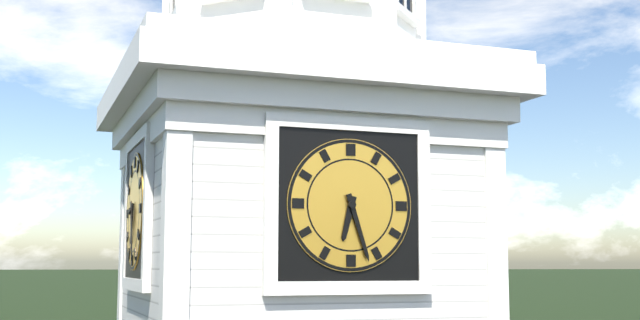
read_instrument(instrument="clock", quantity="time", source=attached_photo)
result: 6:27
